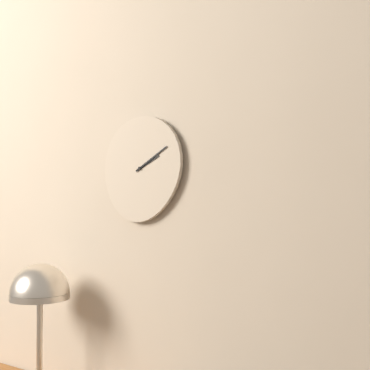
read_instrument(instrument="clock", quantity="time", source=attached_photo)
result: 2:10
